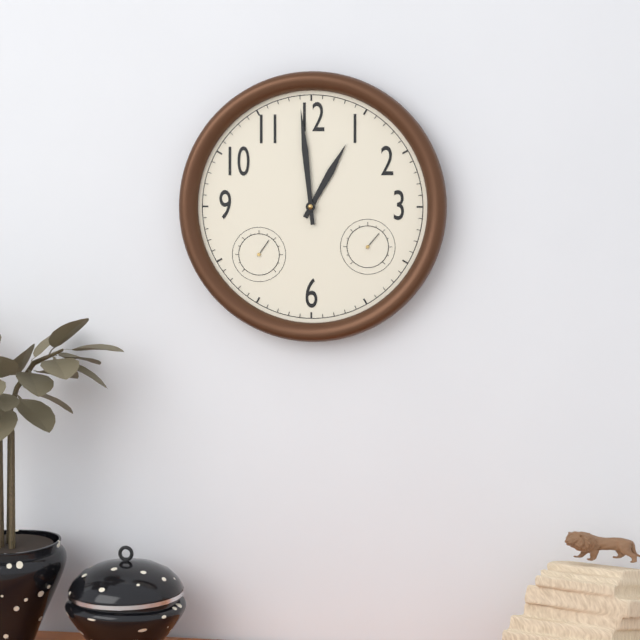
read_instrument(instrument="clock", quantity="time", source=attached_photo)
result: 12:59
